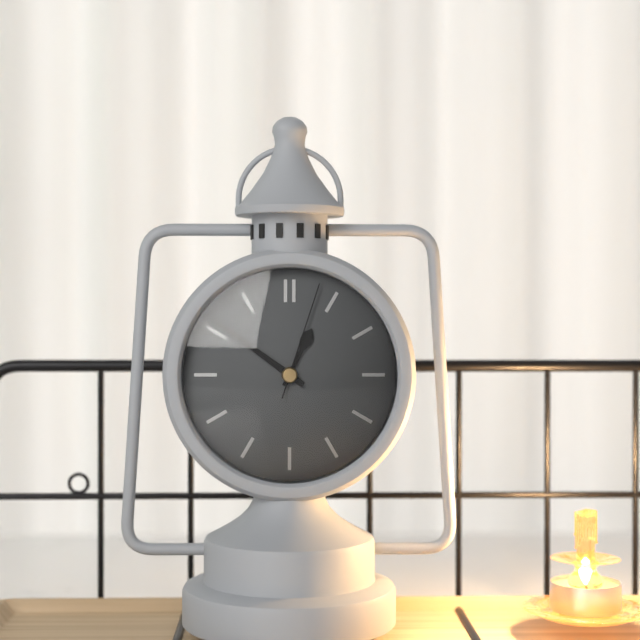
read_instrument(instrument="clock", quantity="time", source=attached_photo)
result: 12:51:03
